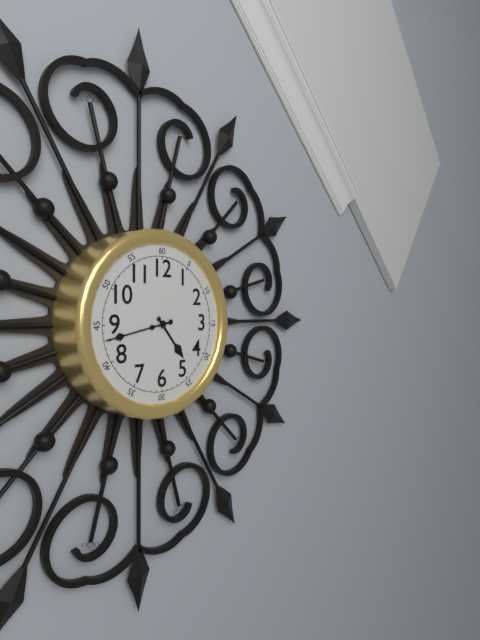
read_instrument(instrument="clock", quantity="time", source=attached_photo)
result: 4:43
